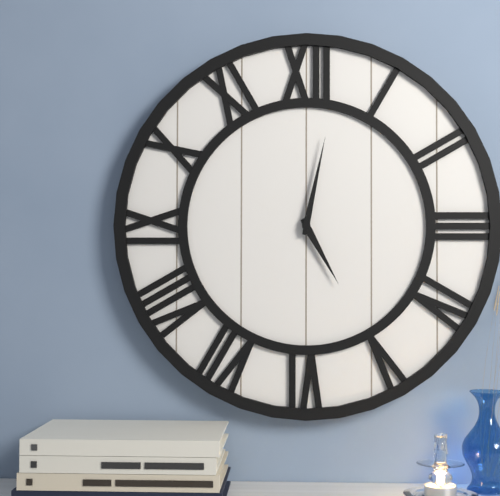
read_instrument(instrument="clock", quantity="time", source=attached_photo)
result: 5:02
